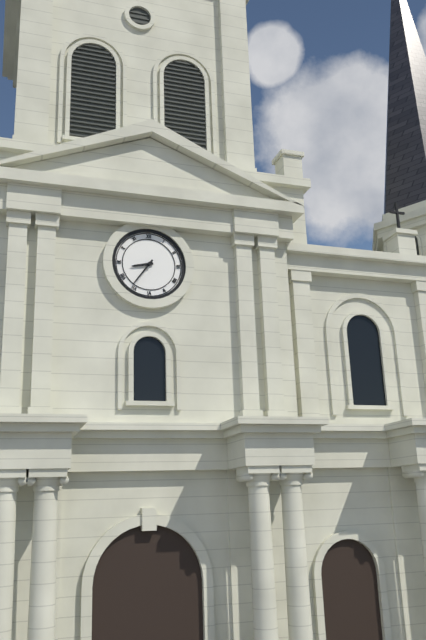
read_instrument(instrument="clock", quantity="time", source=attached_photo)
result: 8:36
